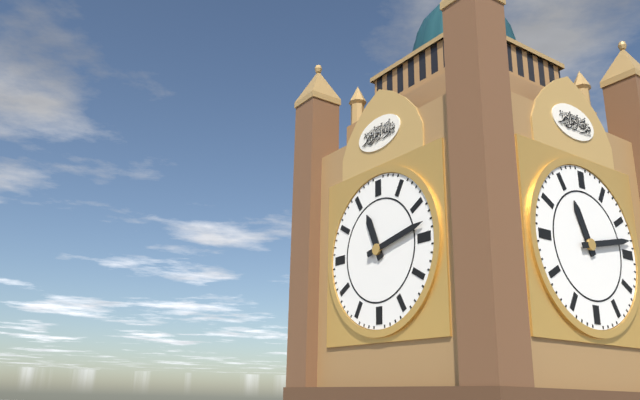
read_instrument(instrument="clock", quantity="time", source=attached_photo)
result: 11:13
